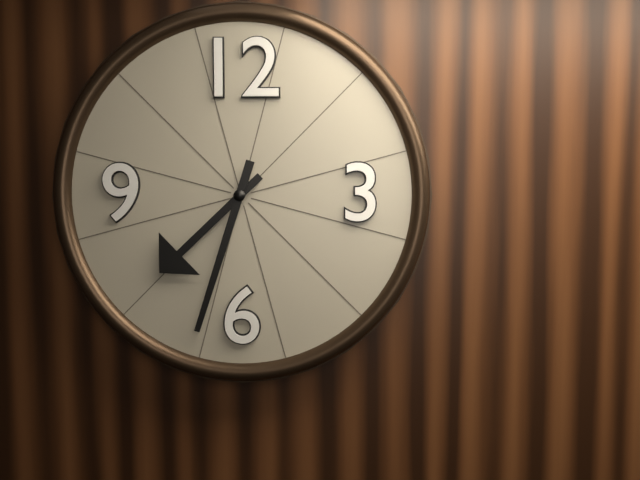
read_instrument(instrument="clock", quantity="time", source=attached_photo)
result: 7:33
